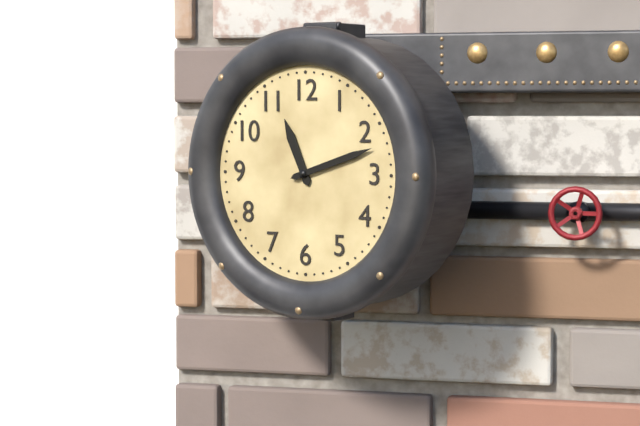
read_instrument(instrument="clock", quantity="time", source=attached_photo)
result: 11:12
